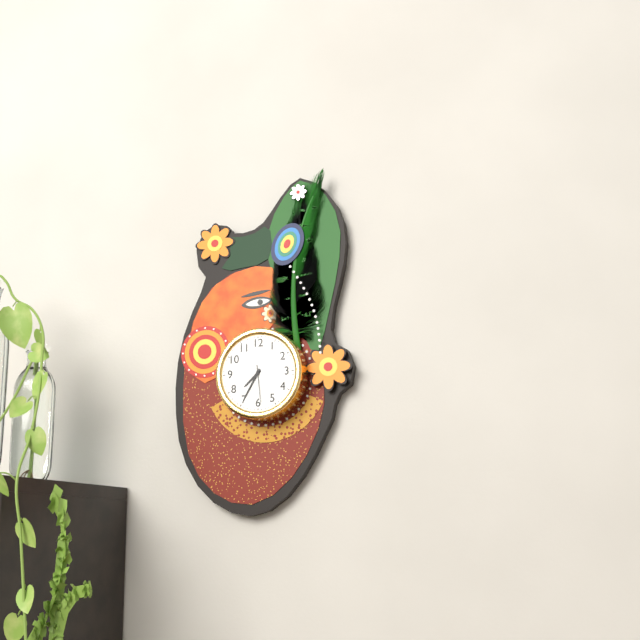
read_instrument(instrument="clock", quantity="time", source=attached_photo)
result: 7:35
